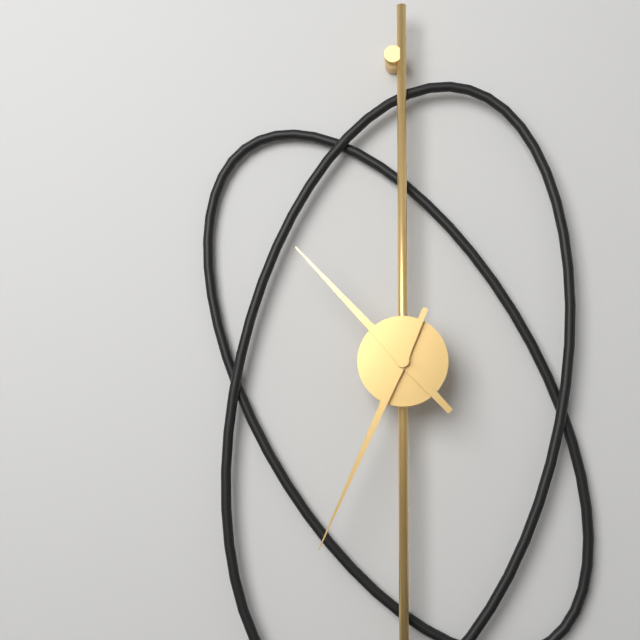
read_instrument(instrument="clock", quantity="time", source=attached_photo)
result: 10:34
